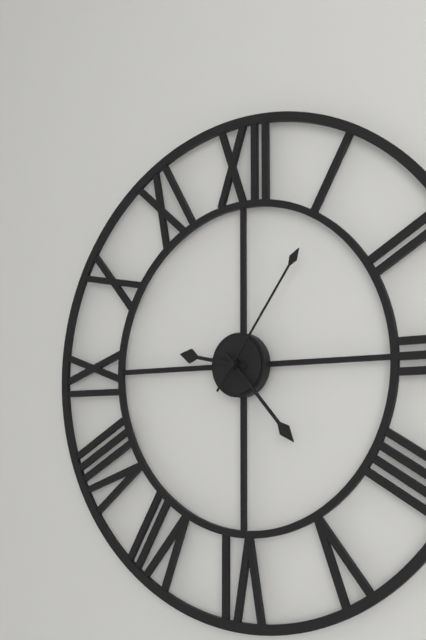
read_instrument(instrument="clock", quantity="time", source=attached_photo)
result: 9:23:06
